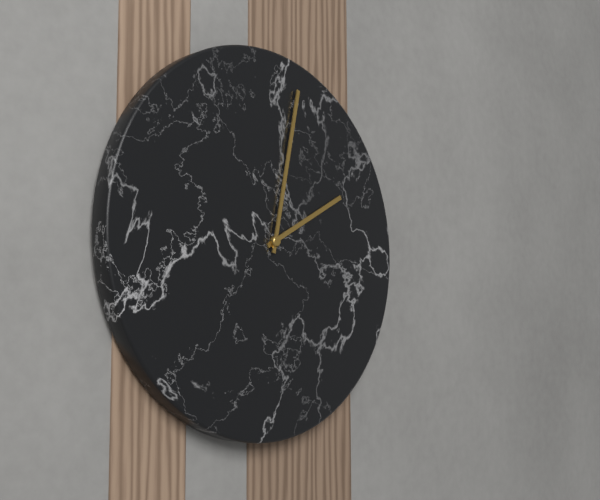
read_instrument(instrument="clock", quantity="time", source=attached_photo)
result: 2:02
